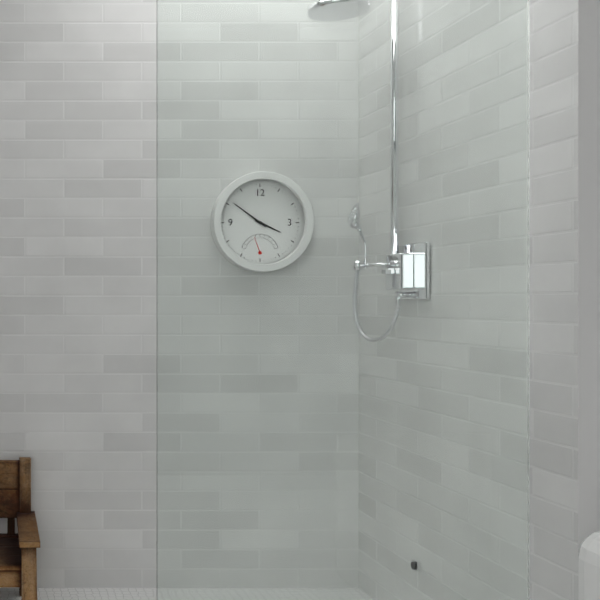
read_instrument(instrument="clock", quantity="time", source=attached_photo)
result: 3:51
